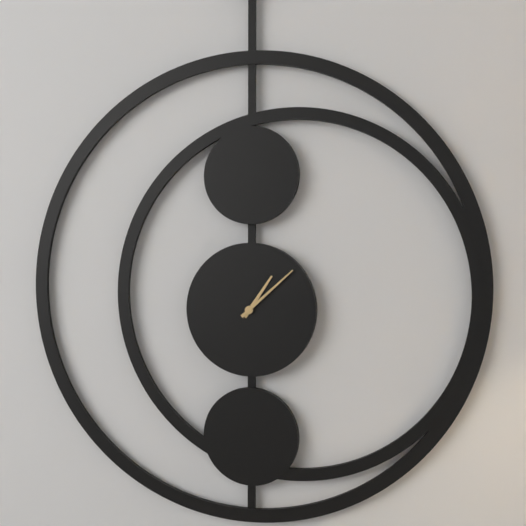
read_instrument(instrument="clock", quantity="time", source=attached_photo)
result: 1:08
